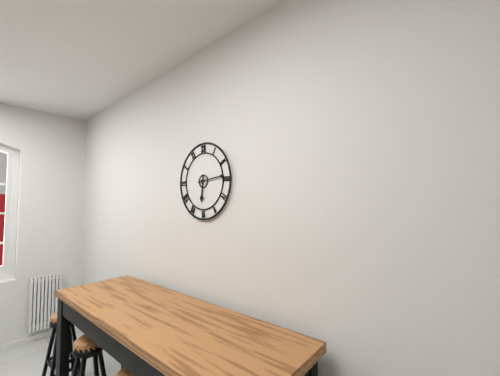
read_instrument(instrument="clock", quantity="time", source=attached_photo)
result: 6:14
